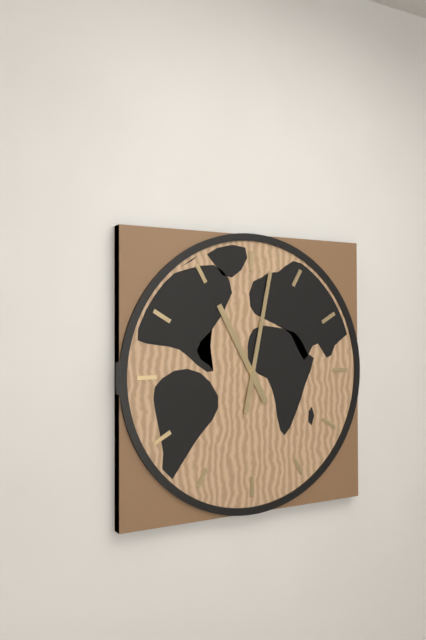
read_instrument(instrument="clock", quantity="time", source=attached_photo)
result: 11:02
